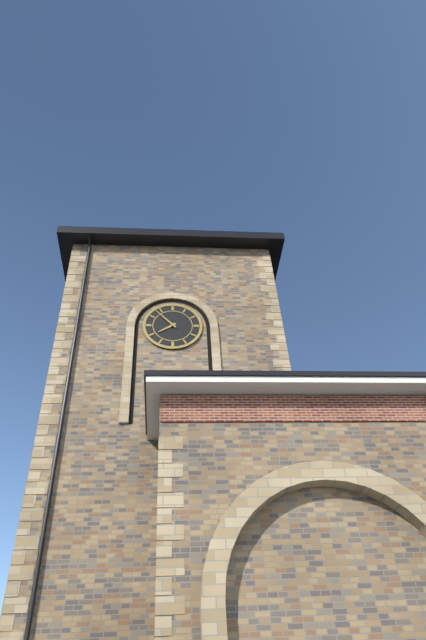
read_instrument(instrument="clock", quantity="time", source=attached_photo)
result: 7:53
